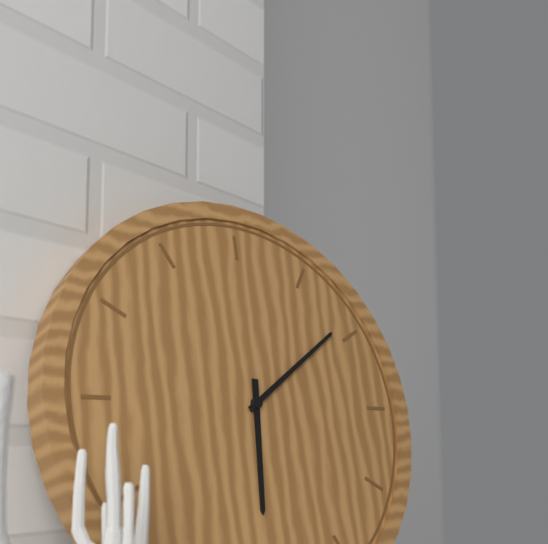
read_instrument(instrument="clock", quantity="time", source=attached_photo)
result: 6:09
